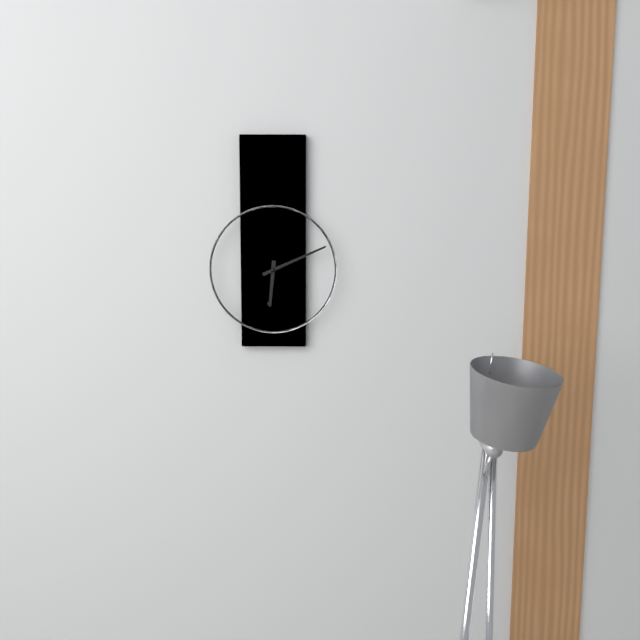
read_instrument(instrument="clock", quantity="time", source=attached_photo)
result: 6:11
